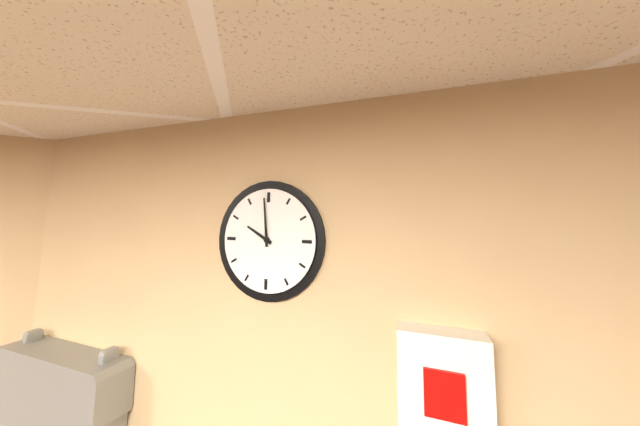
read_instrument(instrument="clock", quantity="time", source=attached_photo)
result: 9:59
